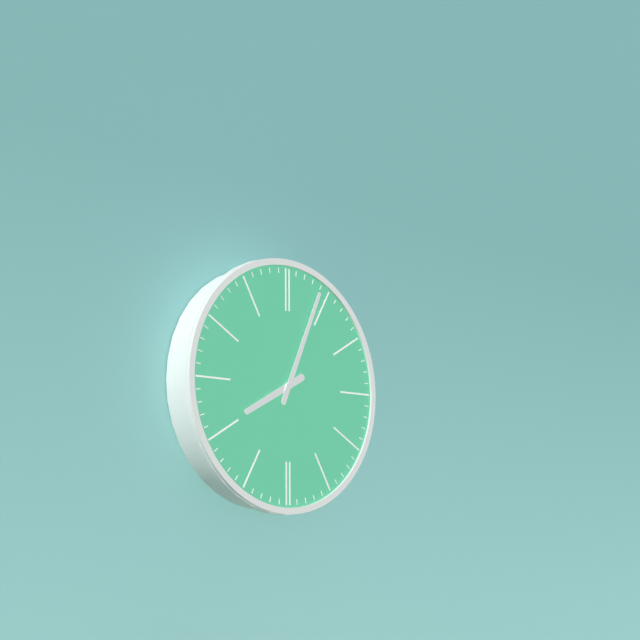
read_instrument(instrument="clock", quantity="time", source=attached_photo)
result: 8:04
